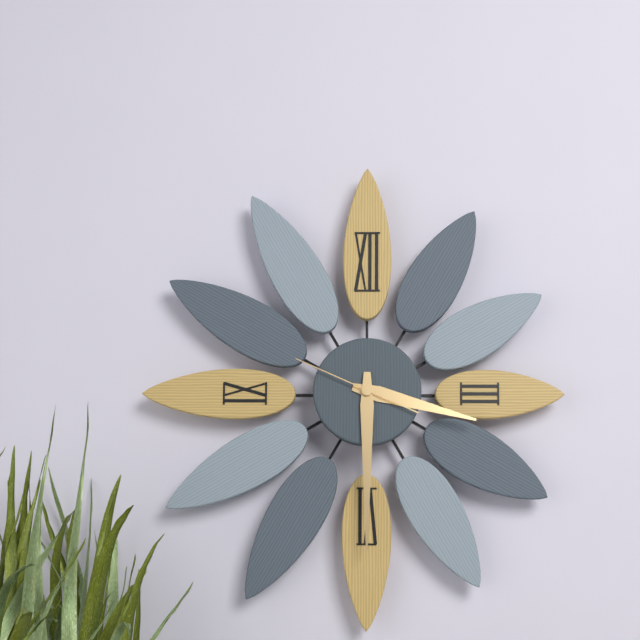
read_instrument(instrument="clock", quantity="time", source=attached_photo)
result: 3:30:49
